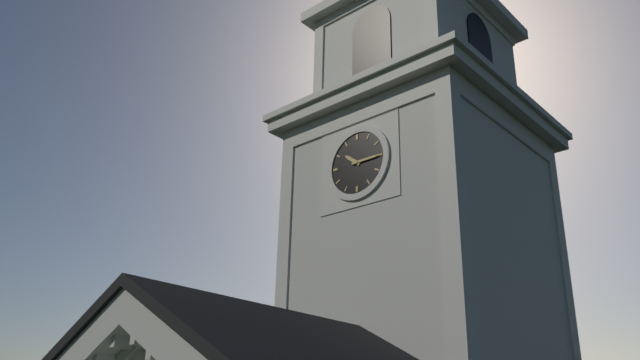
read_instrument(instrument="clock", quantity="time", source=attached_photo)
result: 10:15
